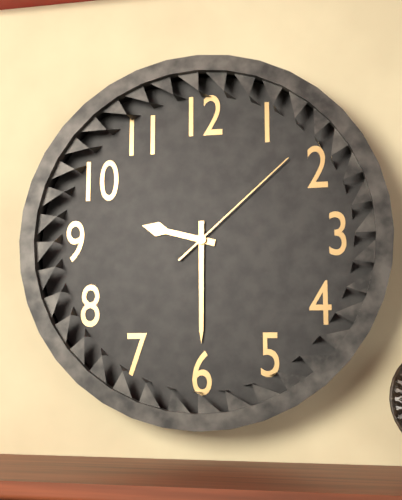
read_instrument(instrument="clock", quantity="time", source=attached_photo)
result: 9:30:08
